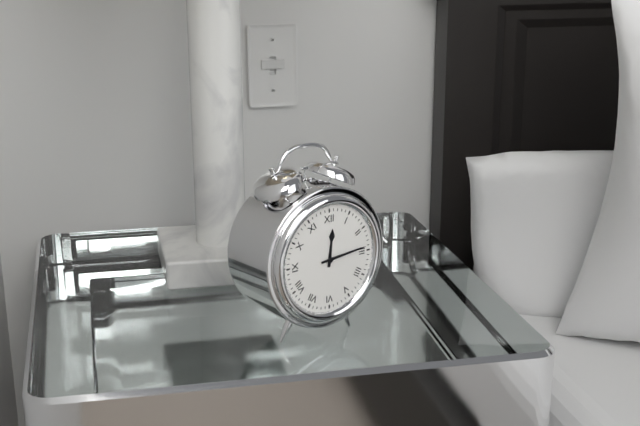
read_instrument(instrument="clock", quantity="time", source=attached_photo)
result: 12:14
